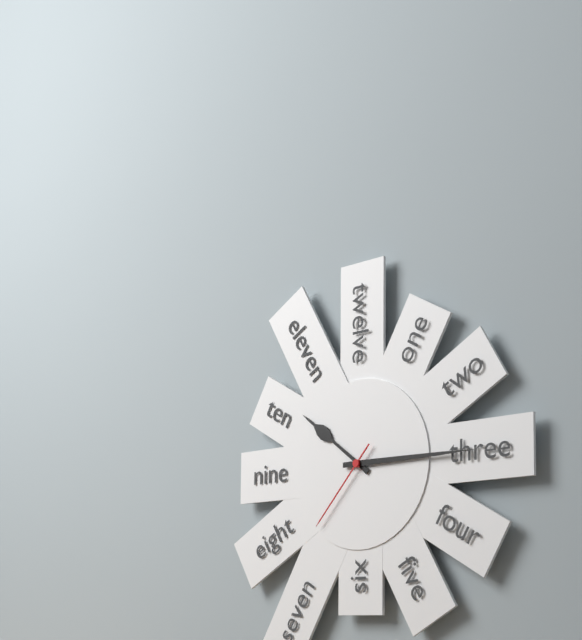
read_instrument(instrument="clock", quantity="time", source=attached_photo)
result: 10:15:37
